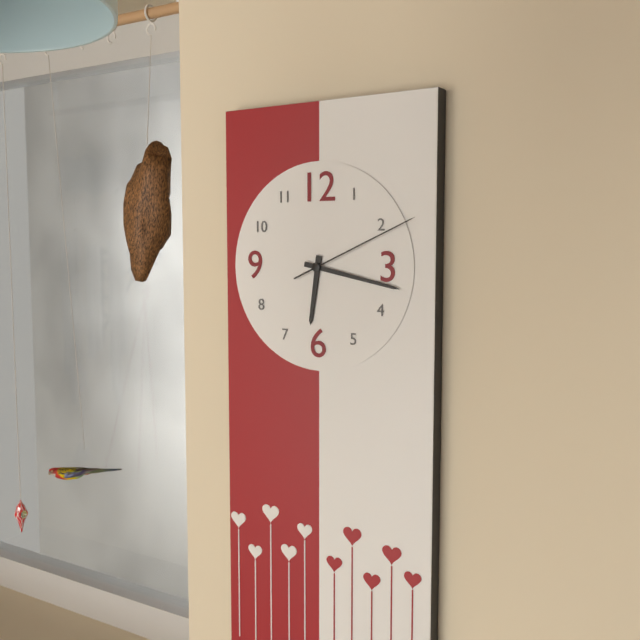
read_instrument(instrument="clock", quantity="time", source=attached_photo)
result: 6:17:11
